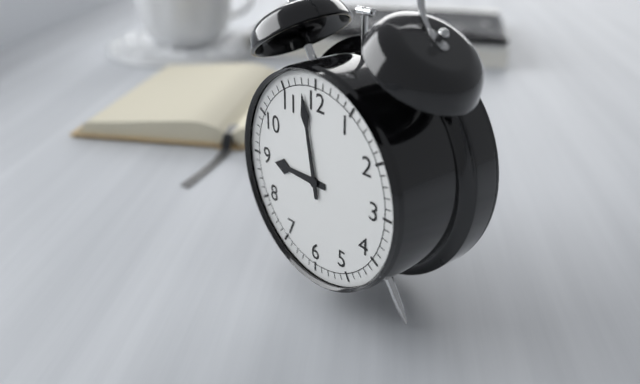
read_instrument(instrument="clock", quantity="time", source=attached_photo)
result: 8:58
